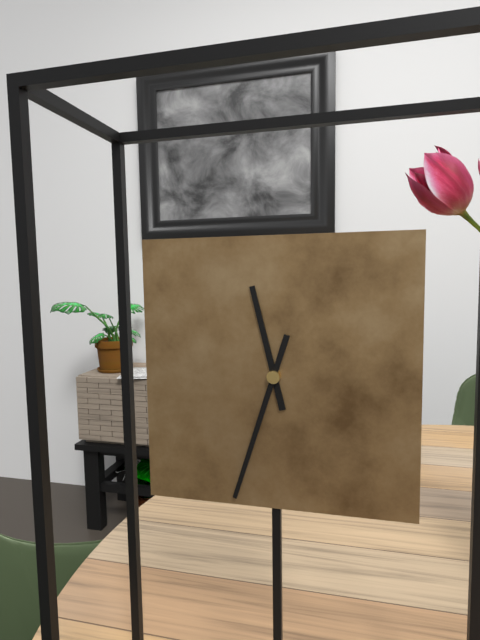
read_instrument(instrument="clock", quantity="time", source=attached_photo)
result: 11:33
